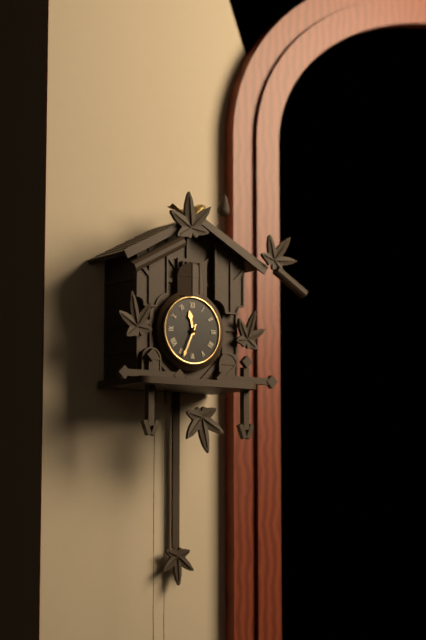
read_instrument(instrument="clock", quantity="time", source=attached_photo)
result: 11:34
